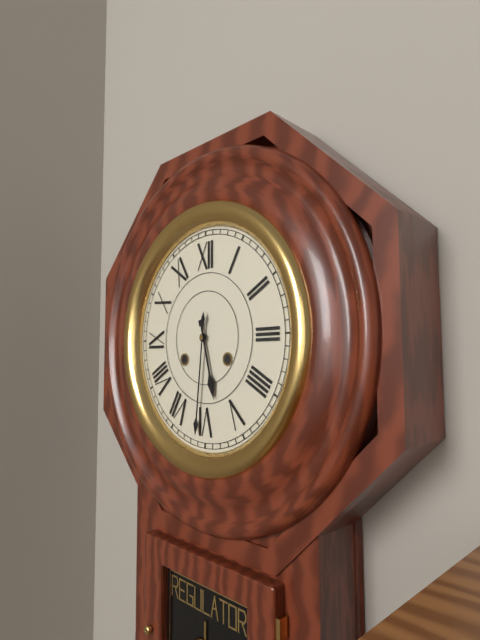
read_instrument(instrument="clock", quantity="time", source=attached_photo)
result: 5:31
